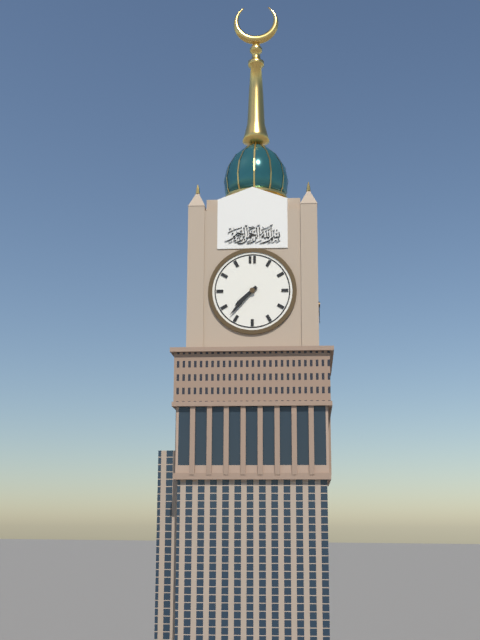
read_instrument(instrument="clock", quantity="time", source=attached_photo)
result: 7:37
